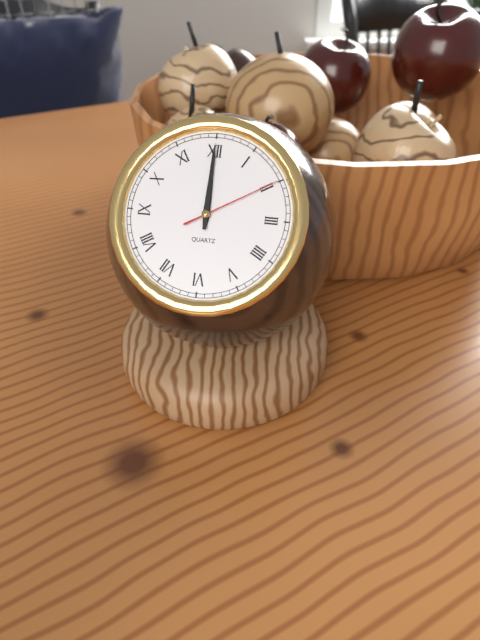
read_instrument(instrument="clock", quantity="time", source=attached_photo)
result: 12:00:10
